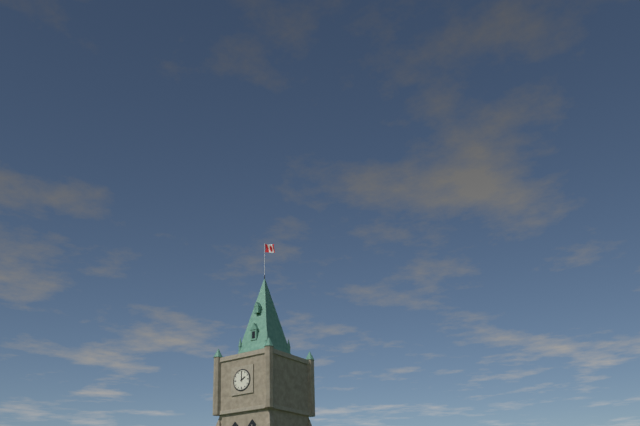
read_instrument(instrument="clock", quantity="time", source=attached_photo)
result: 2:00
